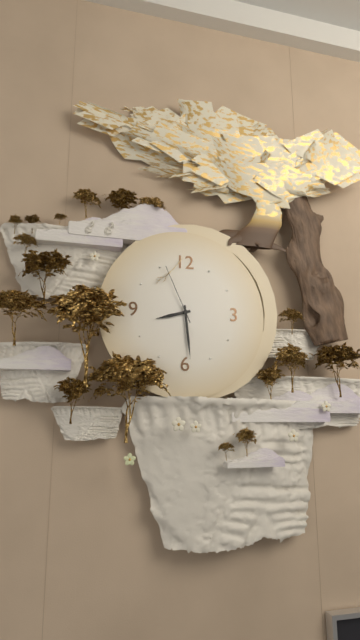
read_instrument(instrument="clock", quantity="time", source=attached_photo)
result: 8:29:56
